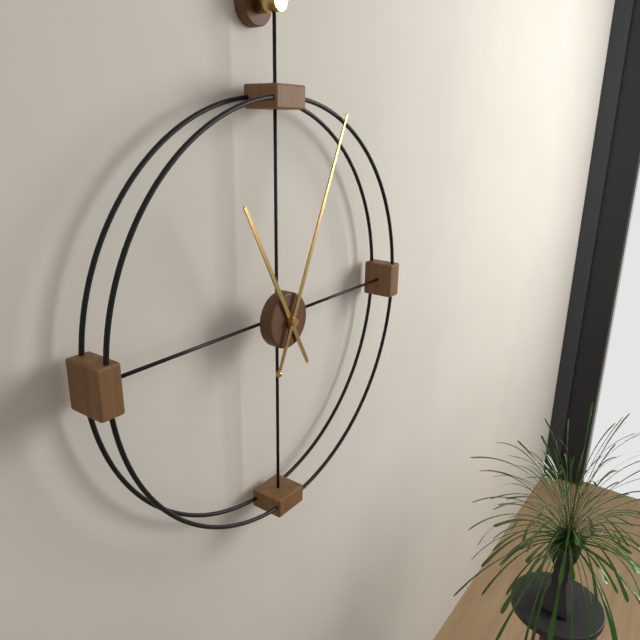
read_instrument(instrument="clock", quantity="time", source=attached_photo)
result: 11:04
